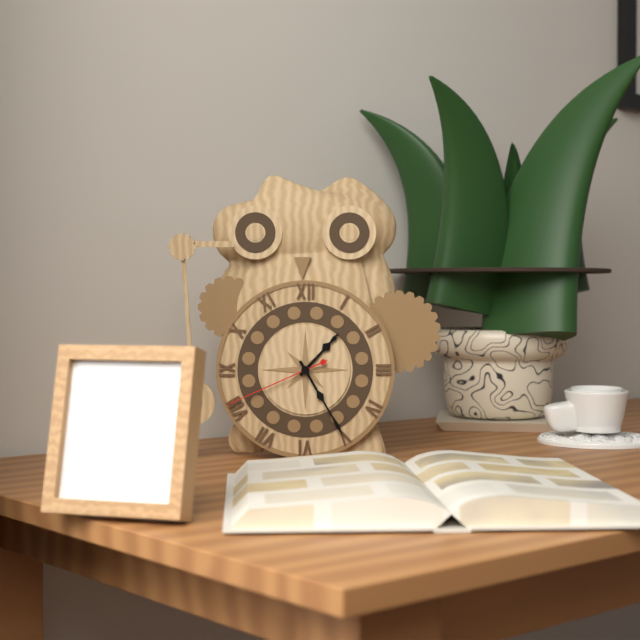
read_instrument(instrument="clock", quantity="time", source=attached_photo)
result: 1:25:41
